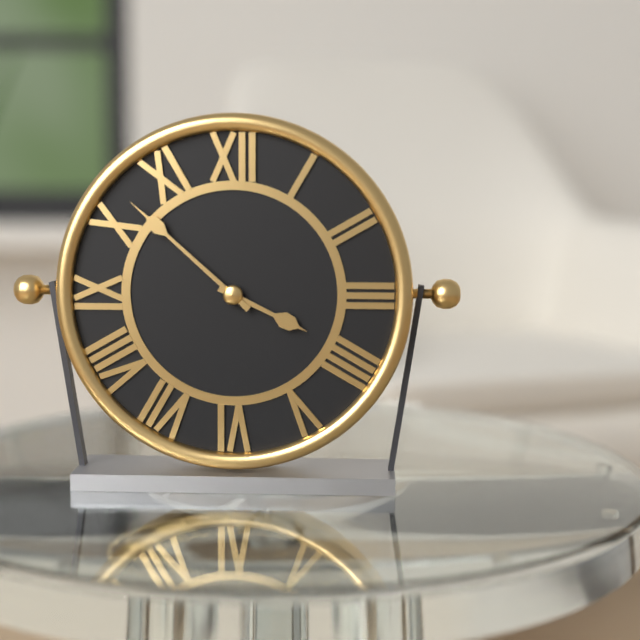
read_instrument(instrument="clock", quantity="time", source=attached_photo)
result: 3:52
